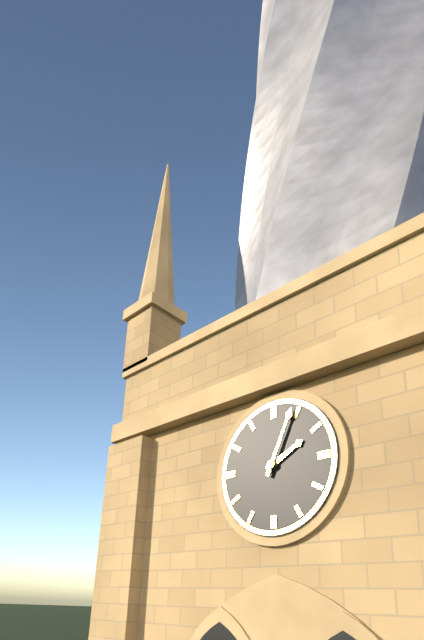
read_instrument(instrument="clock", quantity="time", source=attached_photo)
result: 2:04
